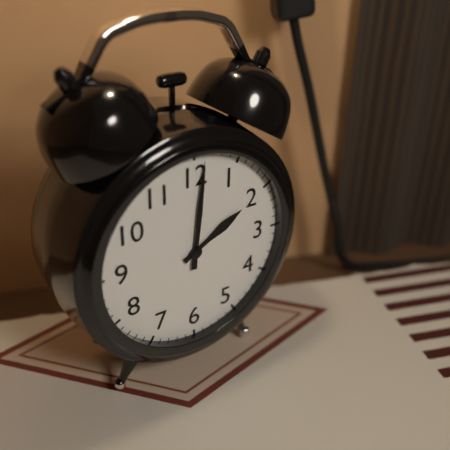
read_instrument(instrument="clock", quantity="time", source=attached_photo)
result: 2:01
